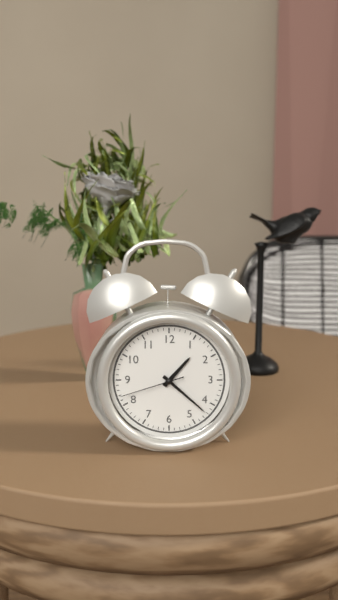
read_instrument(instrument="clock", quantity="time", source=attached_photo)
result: 1:22:42
